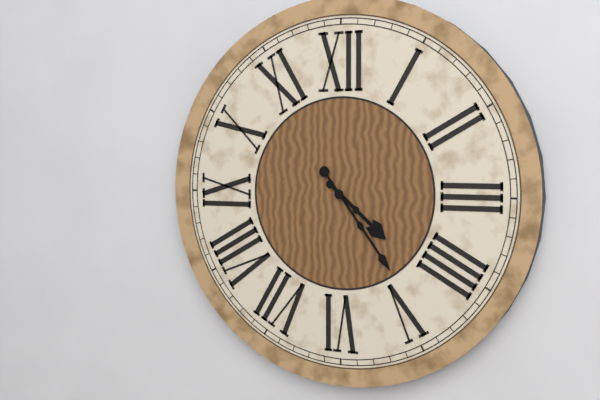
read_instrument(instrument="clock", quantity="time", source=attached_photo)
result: 4:24
